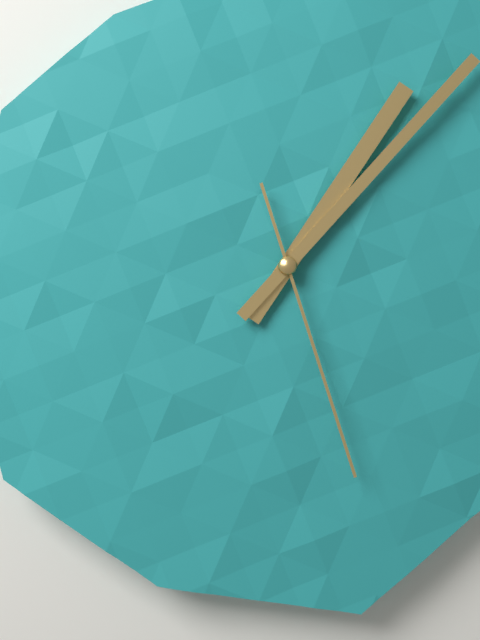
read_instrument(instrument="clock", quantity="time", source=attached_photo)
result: 1:07:27
